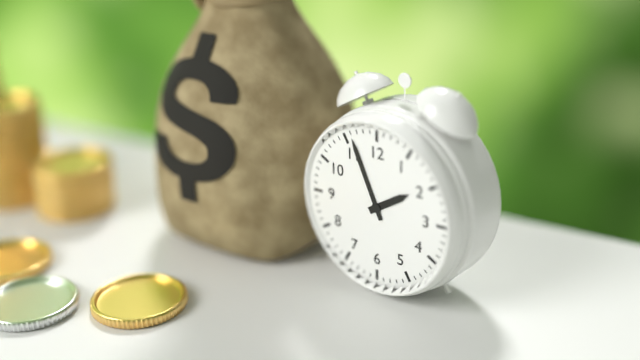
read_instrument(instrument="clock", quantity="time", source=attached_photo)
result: 1:56
